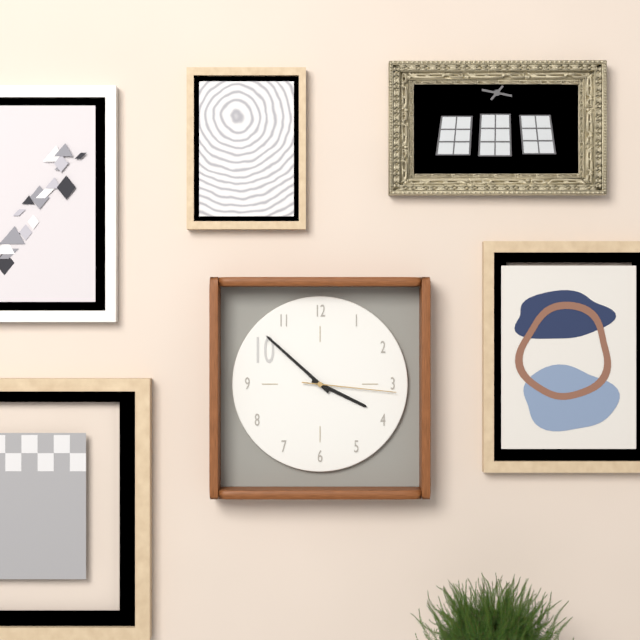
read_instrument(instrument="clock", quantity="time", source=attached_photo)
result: 3:52:16
